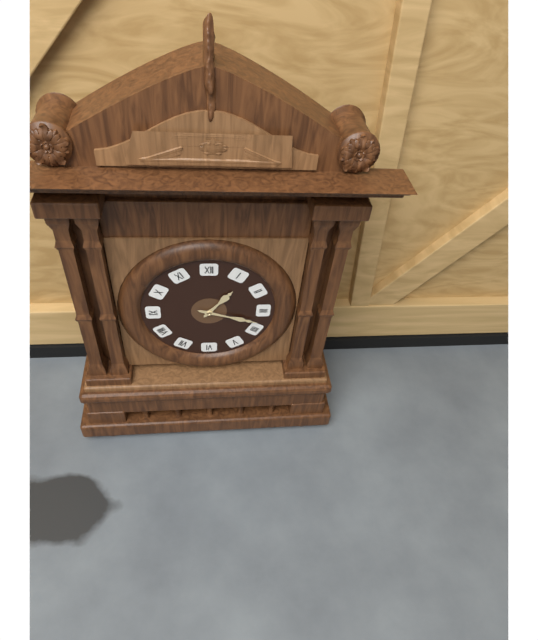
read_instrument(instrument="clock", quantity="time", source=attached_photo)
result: 1:18
